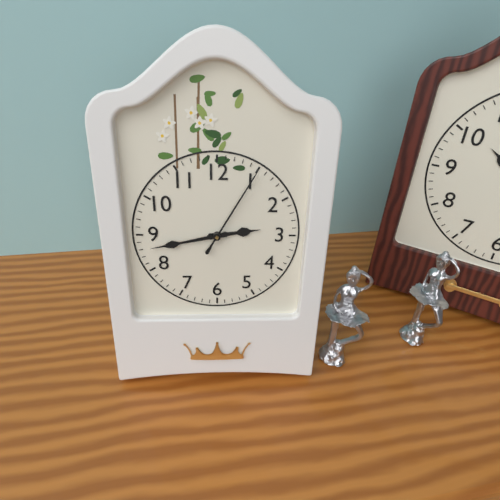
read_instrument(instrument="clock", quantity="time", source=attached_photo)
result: 2:43:05
